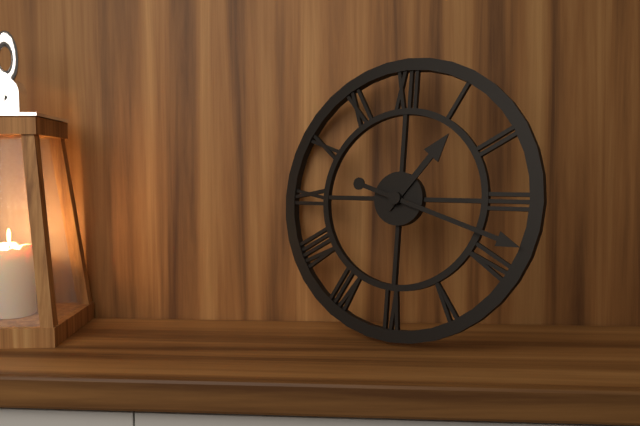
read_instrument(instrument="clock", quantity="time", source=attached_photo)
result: 1:18
